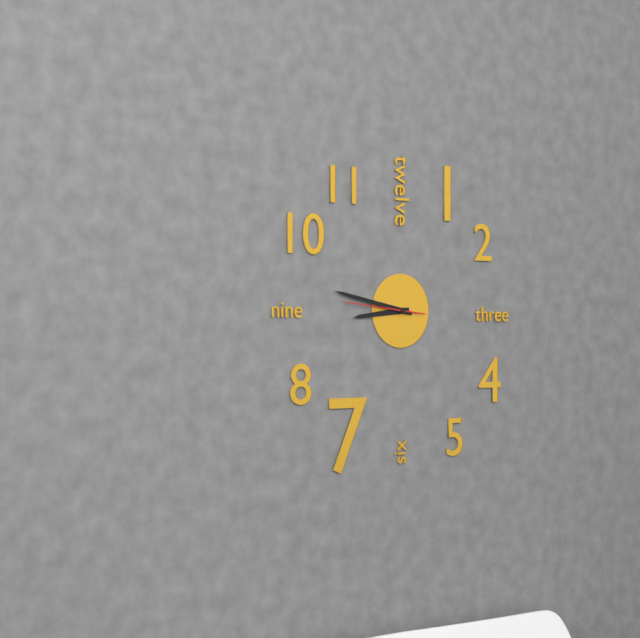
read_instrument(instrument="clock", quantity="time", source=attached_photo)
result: 8:47:46
